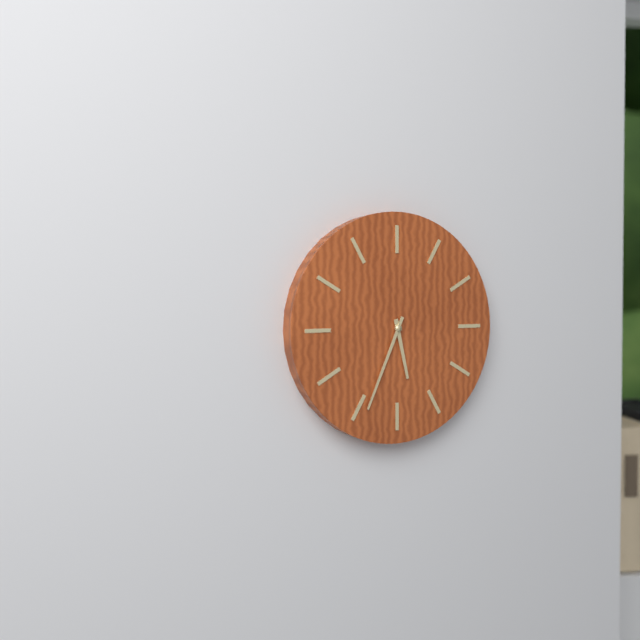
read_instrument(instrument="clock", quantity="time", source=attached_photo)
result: 5:34
